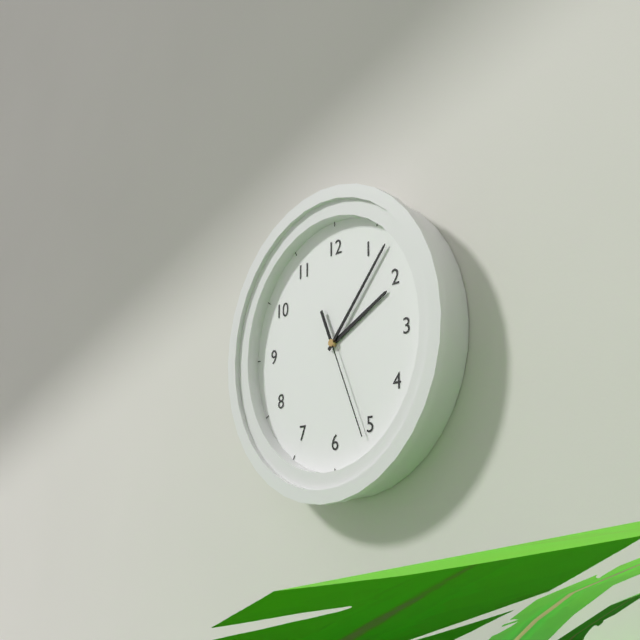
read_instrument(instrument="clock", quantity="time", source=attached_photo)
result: 2:07:26
